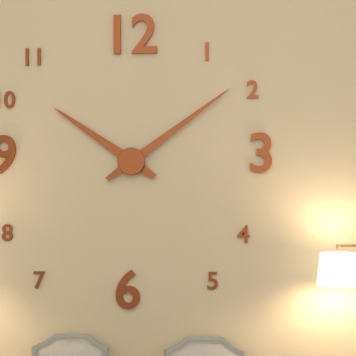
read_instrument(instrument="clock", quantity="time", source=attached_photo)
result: 10:09
